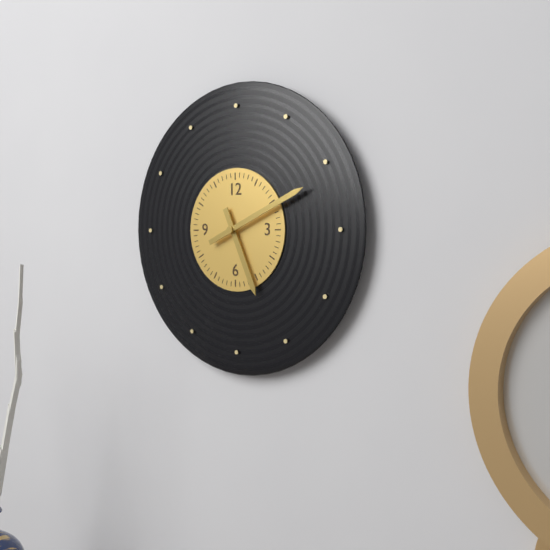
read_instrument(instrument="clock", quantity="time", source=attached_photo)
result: 5:11
